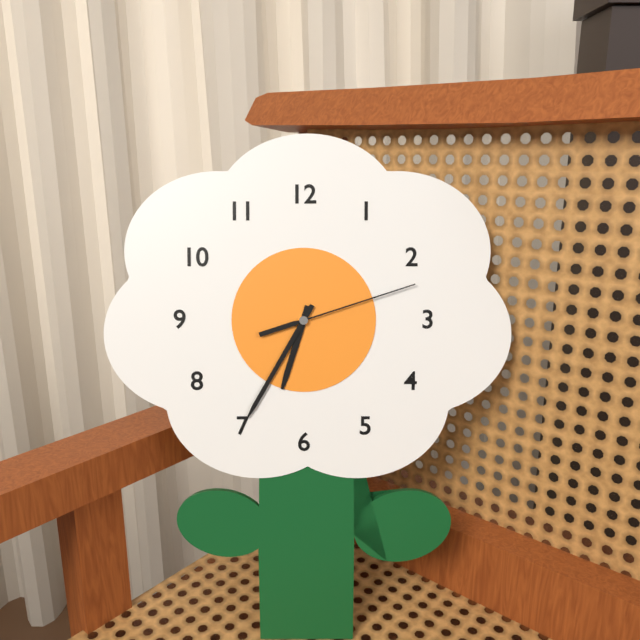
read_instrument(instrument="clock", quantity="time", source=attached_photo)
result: 6:35:12
